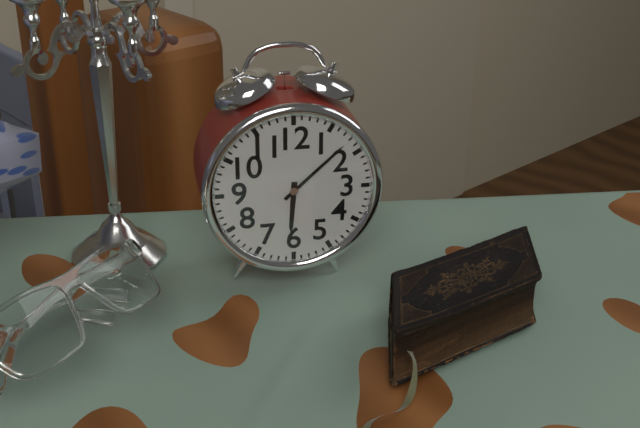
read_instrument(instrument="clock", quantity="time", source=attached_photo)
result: 6:08
